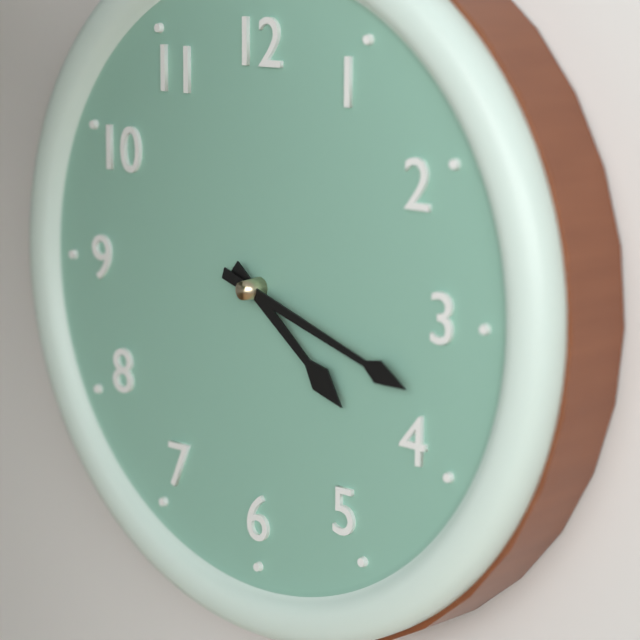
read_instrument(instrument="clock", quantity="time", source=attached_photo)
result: 4:18
